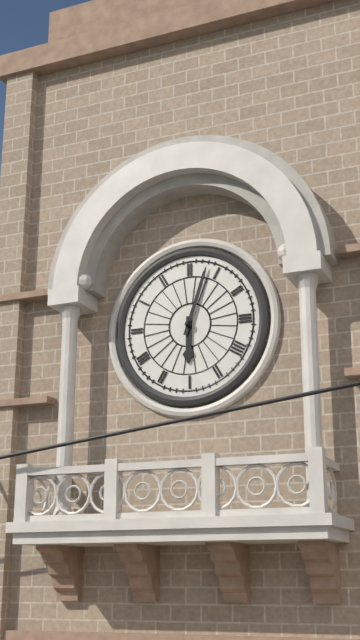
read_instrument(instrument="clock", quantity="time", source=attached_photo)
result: 6:03
